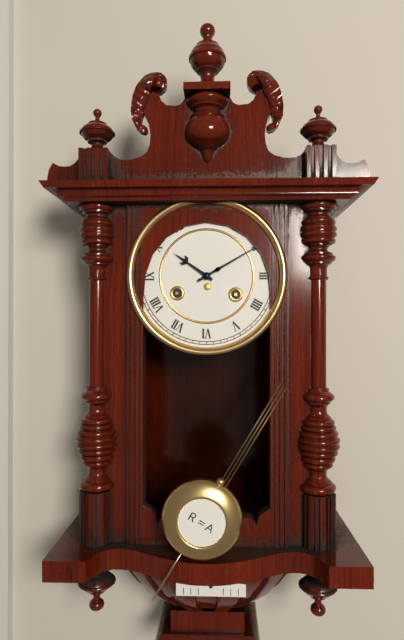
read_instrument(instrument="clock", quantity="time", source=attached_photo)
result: 10:10
